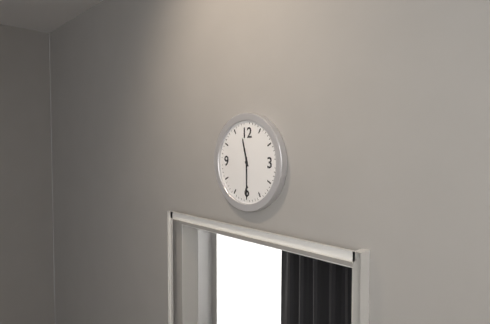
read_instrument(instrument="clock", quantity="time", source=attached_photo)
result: 11:30
